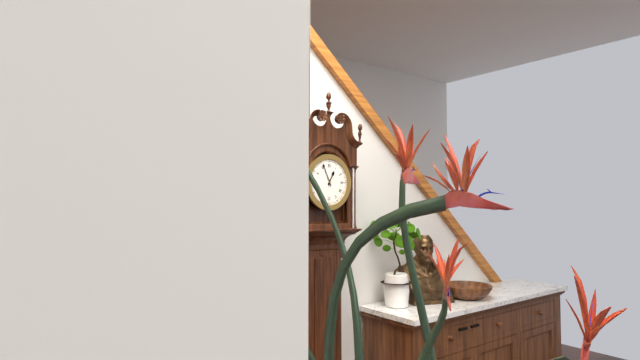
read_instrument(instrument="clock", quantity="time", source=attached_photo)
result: 12:56
